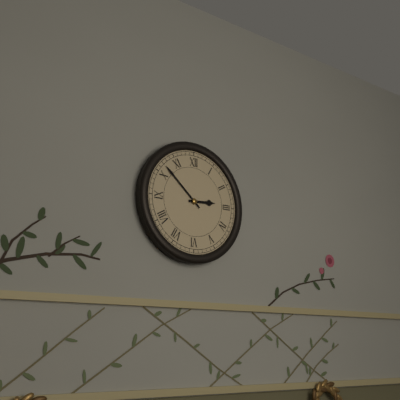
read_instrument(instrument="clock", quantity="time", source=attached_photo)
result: 2:52
